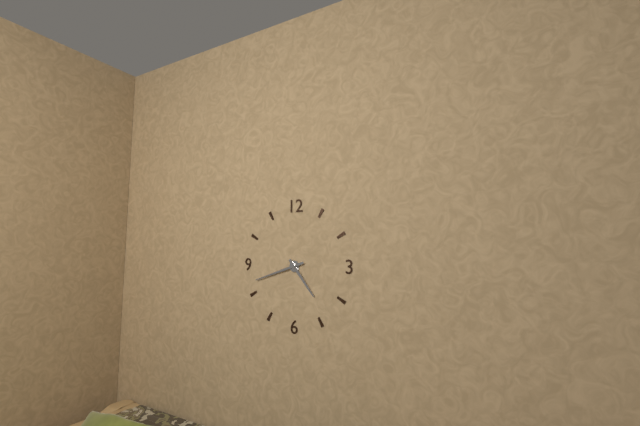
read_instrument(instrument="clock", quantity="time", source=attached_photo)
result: 4:42
